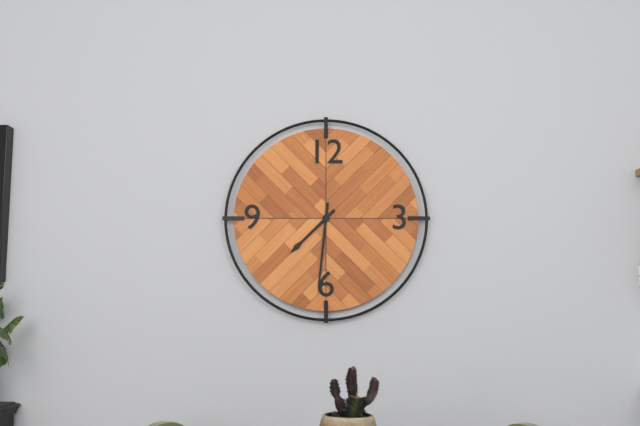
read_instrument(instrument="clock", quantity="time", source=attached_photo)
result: 7:31
